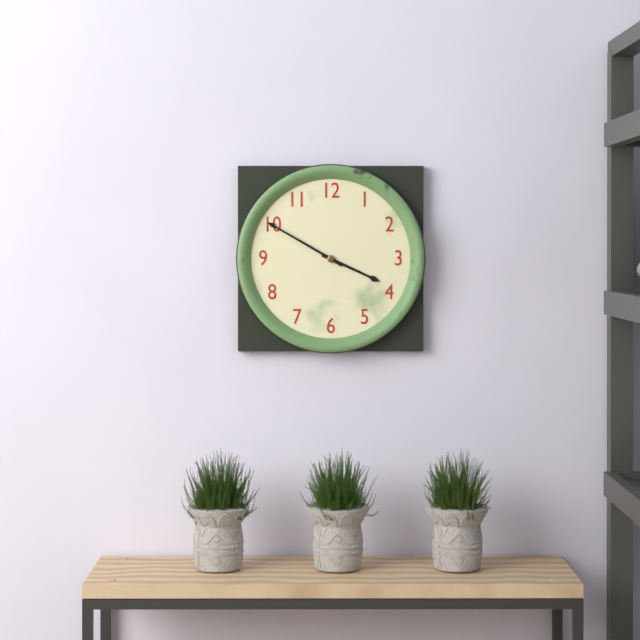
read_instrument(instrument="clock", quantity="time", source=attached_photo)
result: 3:50
